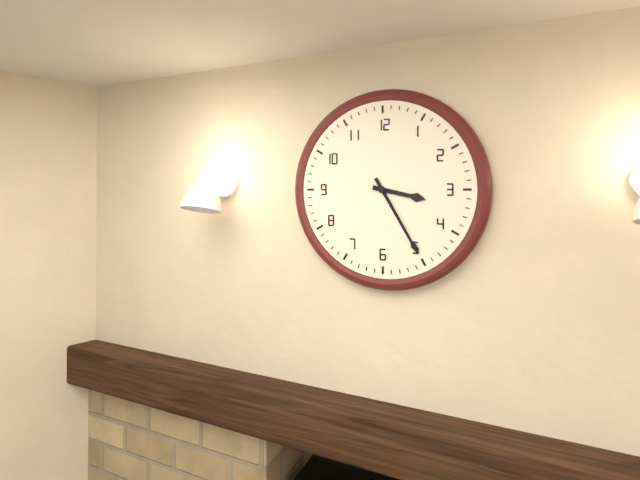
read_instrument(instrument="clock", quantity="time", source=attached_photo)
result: 3:25
